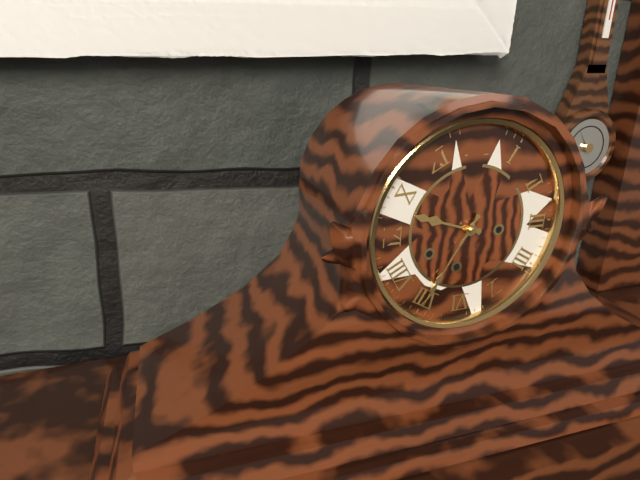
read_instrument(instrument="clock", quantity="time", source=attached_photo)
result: 9:35
